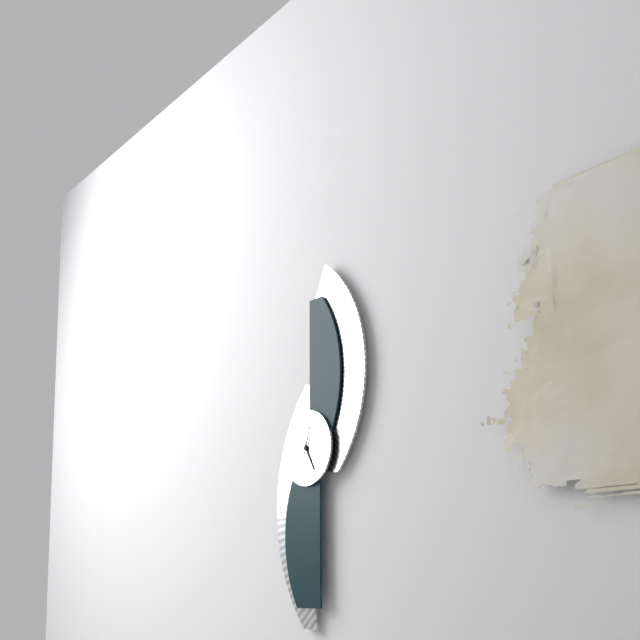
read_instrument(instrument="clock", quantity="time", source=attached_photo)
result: 5:03
